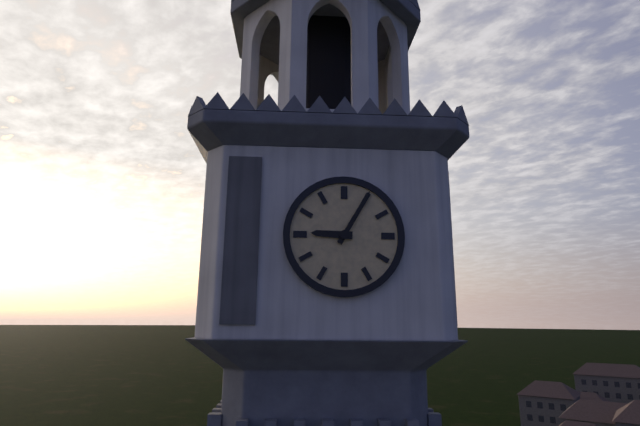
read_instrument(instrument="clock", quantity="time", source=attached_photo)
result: 9:05
